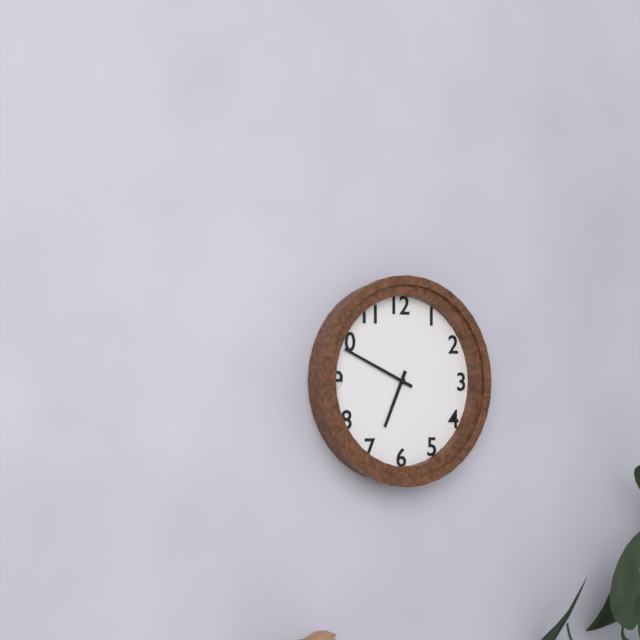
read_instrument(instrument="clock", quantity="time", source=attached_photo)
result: 6:49
